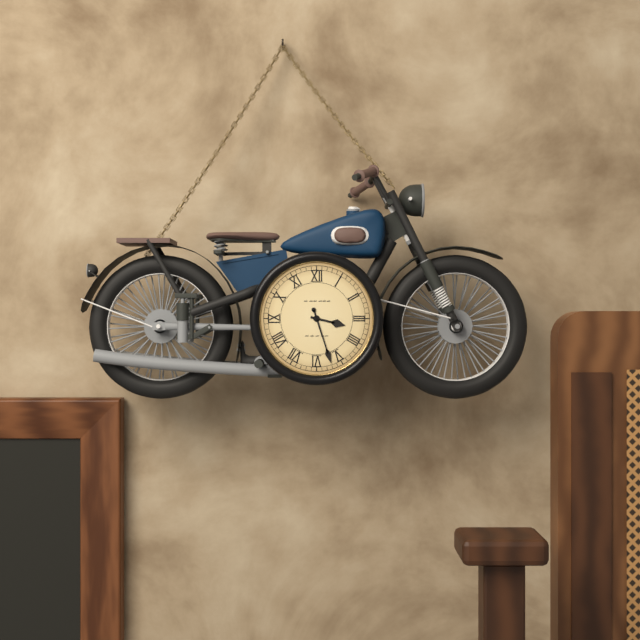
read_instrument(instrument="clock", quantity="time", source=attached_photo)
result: 3:27
